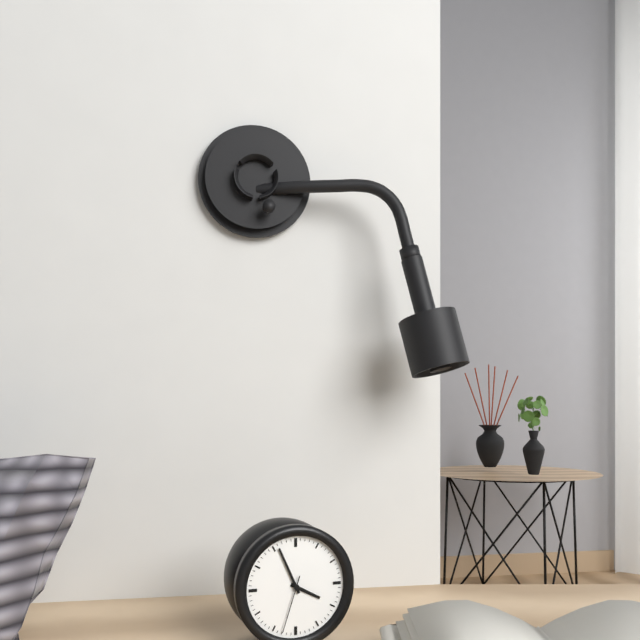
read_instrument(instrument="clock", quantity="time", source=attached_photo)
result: 3:56:33
